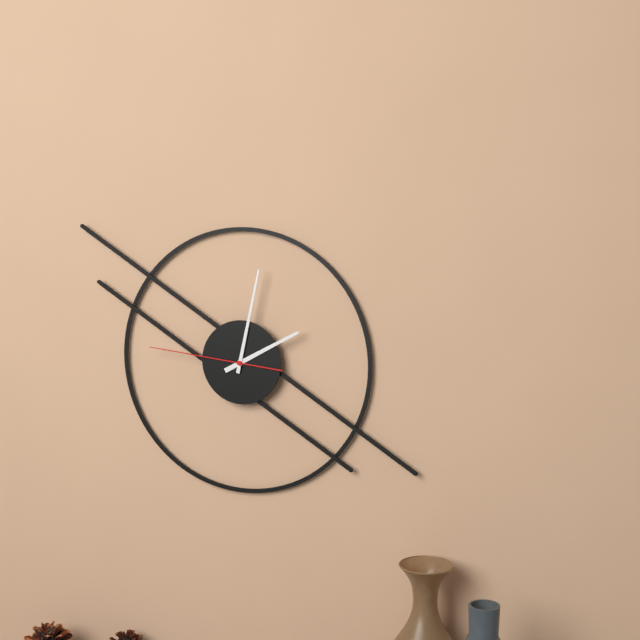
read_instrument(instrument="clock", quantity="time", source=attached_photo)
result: 2:02:46
